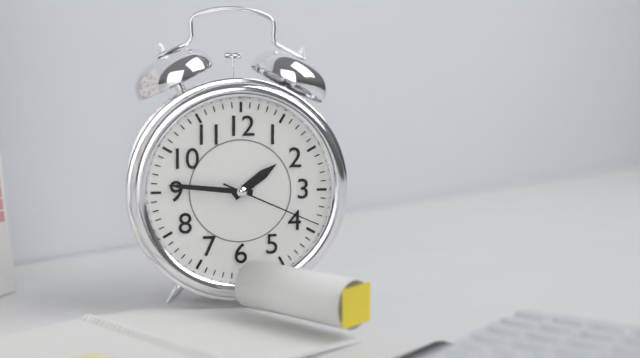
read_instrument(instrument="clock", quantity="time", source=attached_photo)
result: 1:46:19
